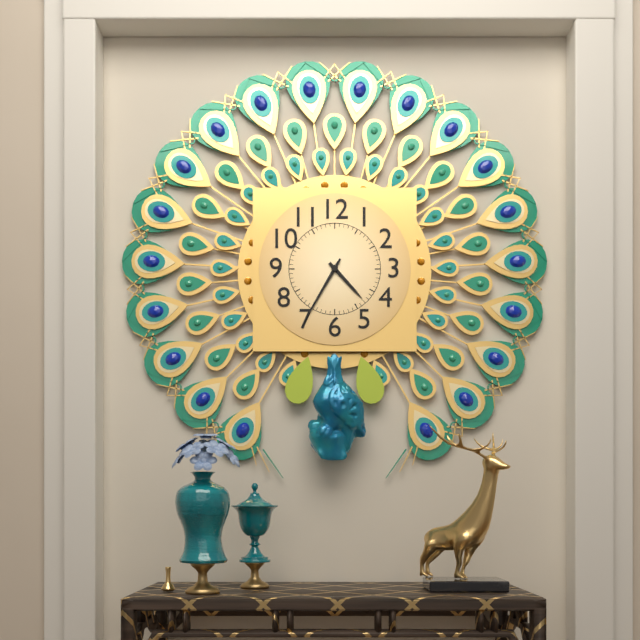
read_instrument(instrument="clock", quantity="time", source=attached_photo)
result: 4:35
